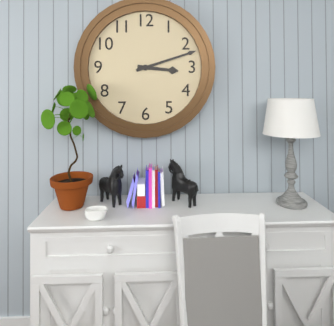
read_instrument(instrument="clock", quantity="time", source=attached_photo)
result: 3:12
